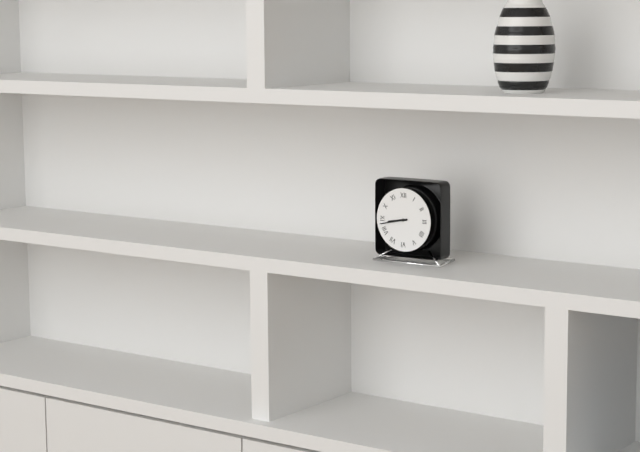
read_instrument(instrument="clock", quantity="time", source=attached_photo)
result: 8:43
